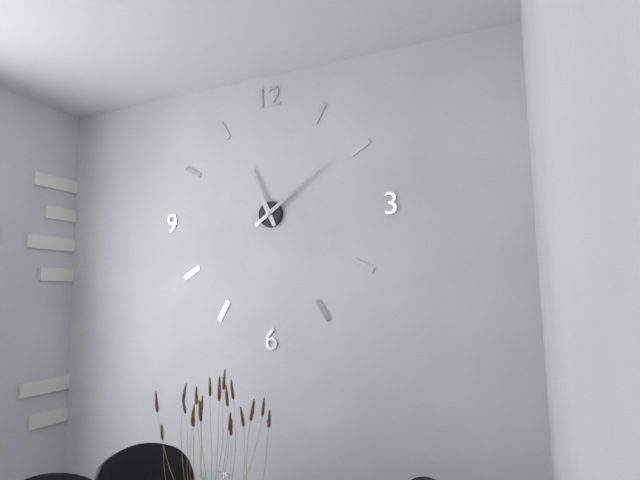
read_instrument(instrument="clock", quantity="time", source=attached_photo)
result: 11:09
